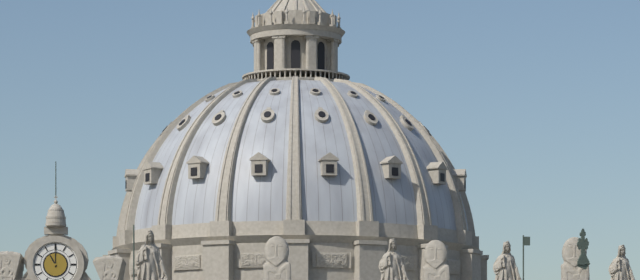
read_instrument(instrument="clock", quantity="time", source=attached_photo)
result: 11:00
